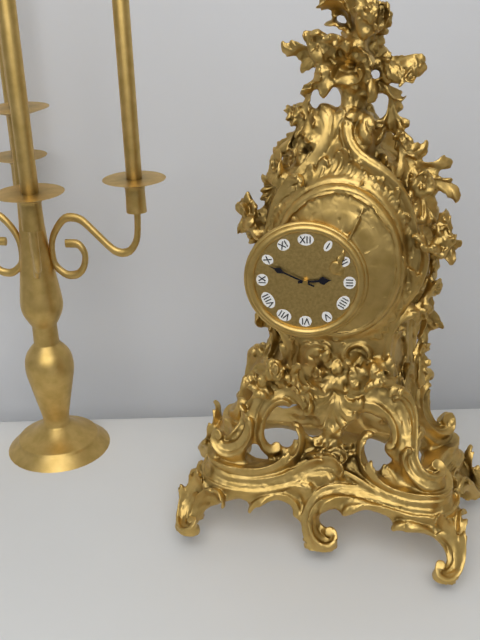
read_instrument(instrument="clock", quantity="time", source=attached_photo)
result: 2:49
